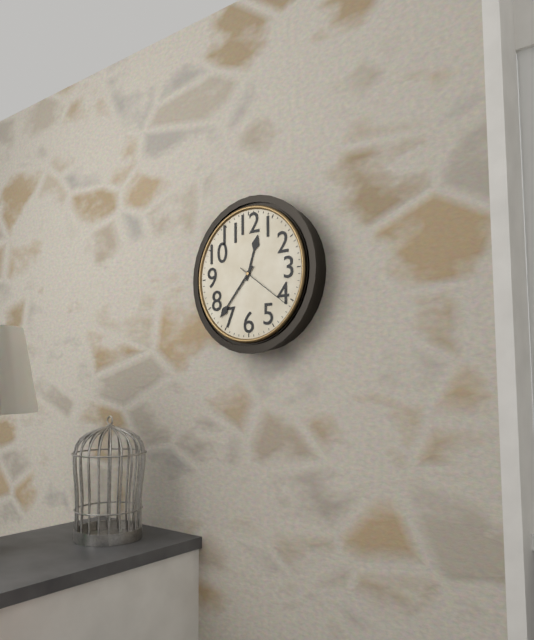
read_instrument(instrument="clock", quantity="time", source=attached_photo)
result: 12:37:21
